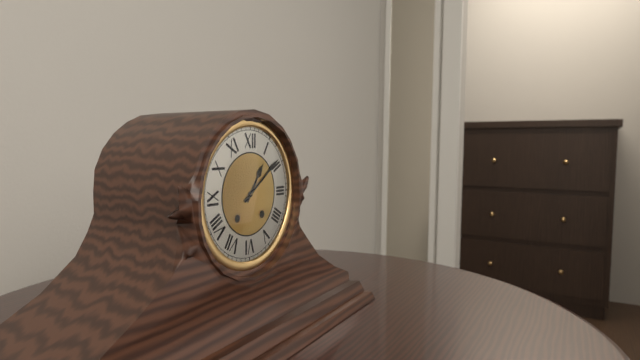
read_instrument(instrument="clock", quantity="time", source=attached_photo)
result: 1:09
